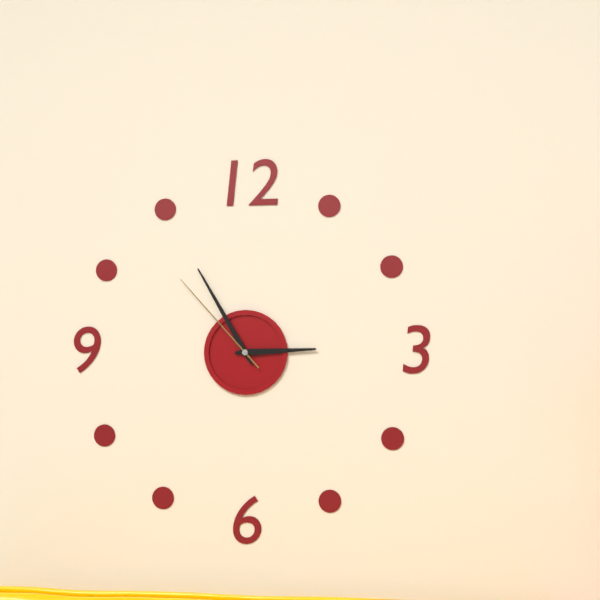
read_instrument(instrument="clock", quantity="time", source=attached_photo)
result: 2:55:53
